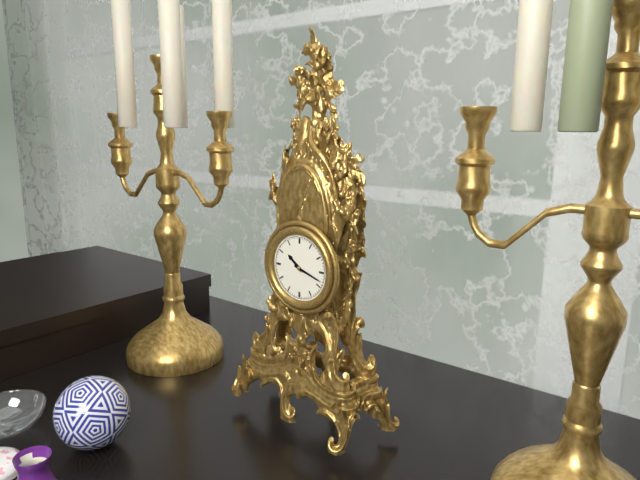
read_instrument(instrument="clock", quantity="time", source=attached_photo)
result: 10:18
